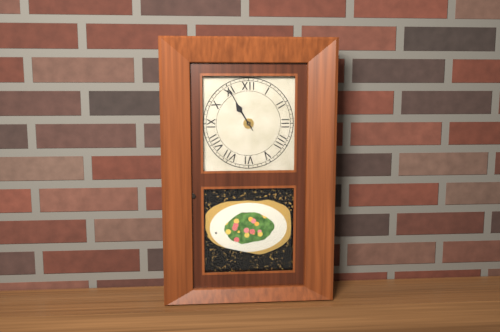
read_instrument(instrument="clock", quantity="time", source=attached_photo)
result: 10:55
